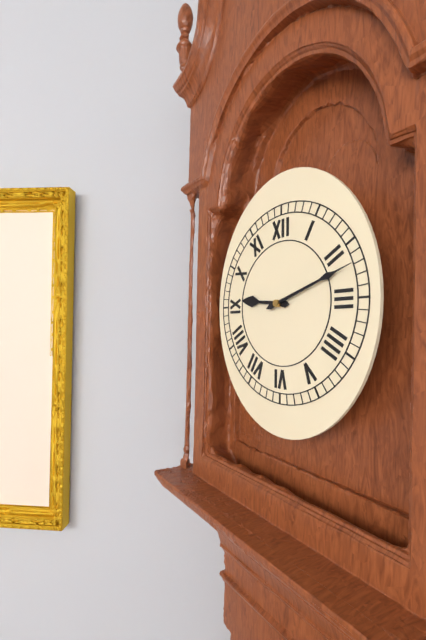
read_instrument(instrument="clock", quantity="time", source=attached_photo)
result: 9:12
